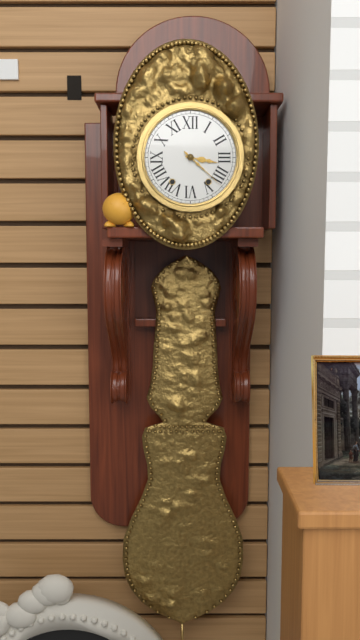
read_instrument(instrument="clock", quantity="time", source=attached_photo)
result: 3:22
